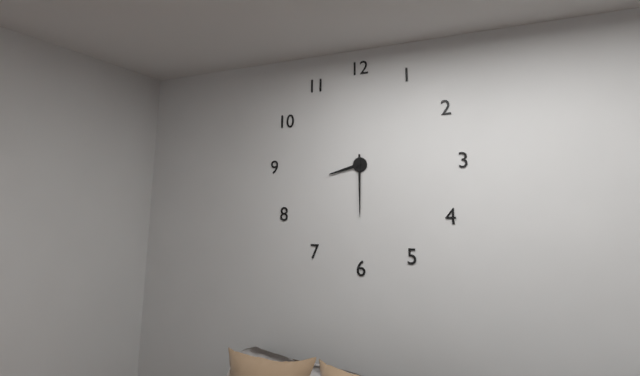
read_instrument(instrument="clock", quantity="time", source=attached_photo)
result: 8:30
